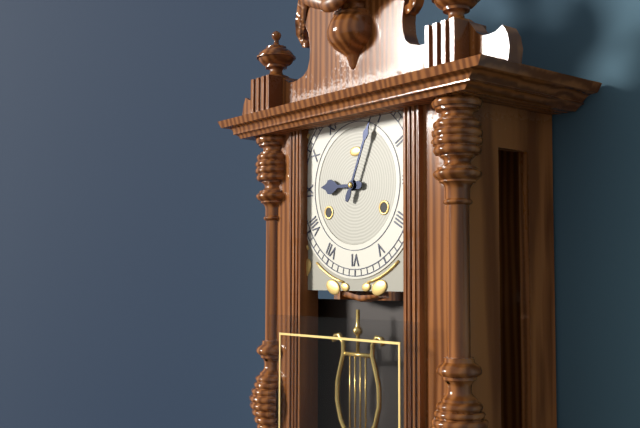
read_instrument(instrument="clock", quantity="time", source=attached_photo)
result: 9:04
